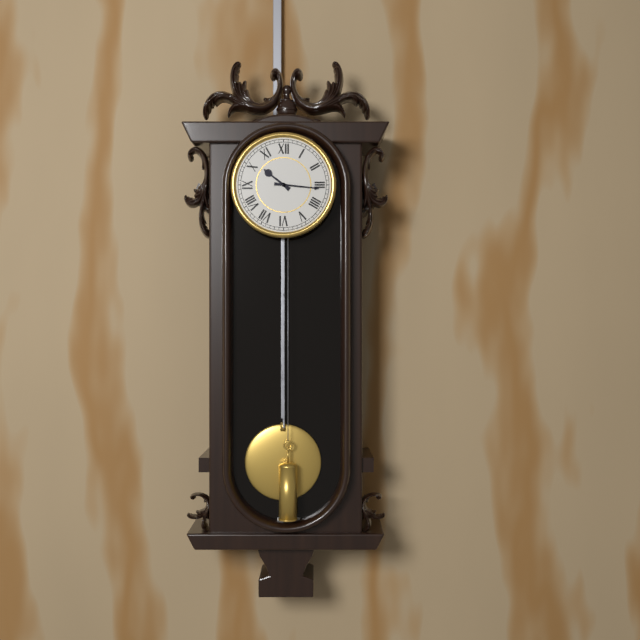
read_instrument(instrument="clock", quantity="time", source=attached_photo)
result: 10:16
